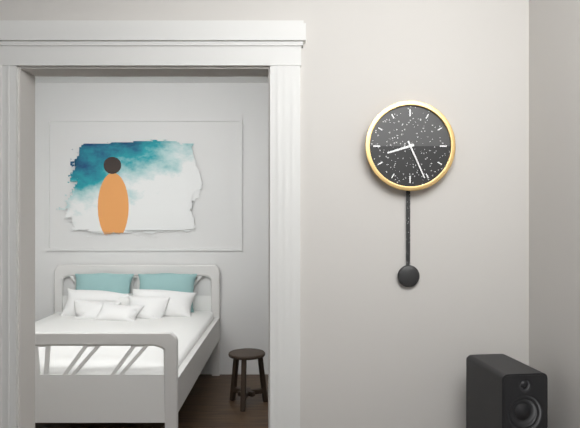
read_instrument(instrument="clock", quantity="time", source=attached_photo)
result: 8:26
